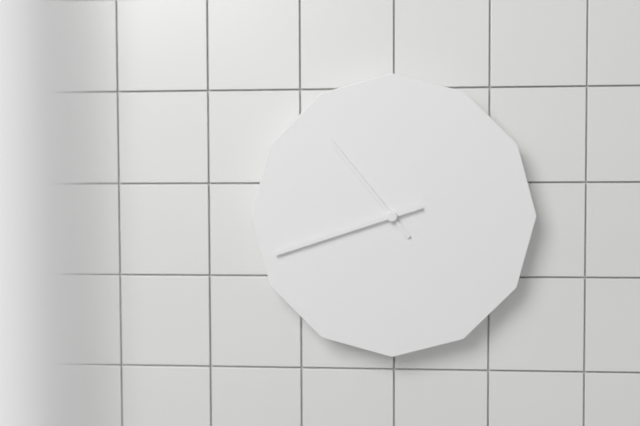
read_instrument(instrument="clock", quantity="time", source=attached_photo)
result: 10:42
